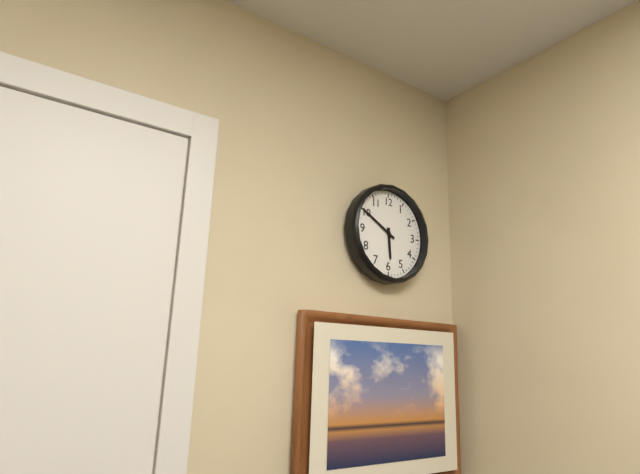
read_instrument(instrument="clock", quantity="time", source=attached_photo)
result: 5:50
